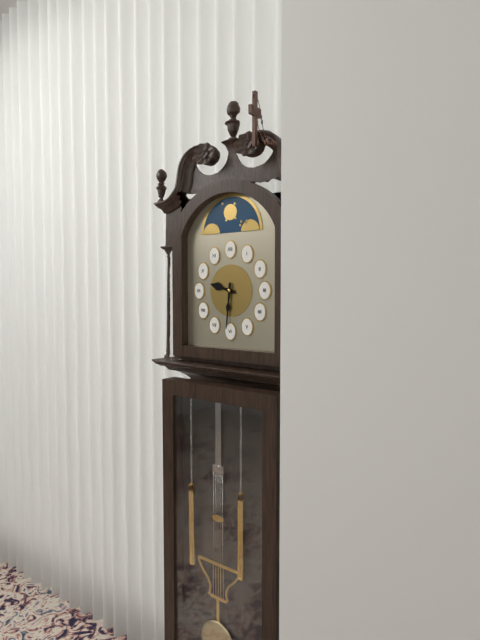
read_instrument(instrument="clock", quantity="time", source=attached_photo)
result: 9:31
